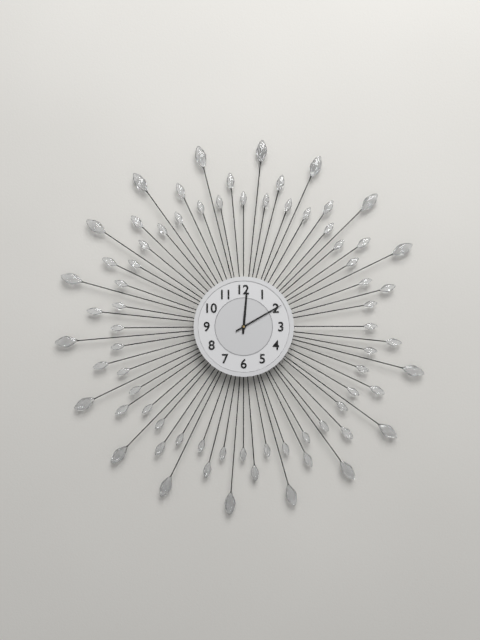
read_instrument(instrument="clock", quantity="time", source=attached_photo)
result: 12:10
